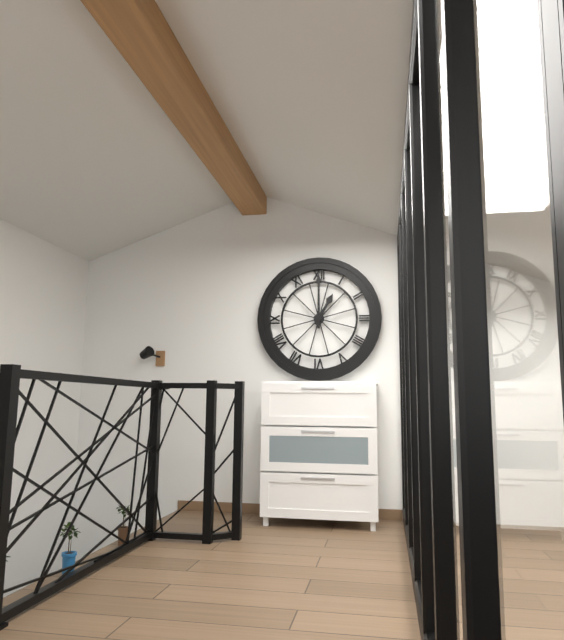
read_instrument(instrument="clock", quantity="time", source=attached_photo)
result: 1:00
